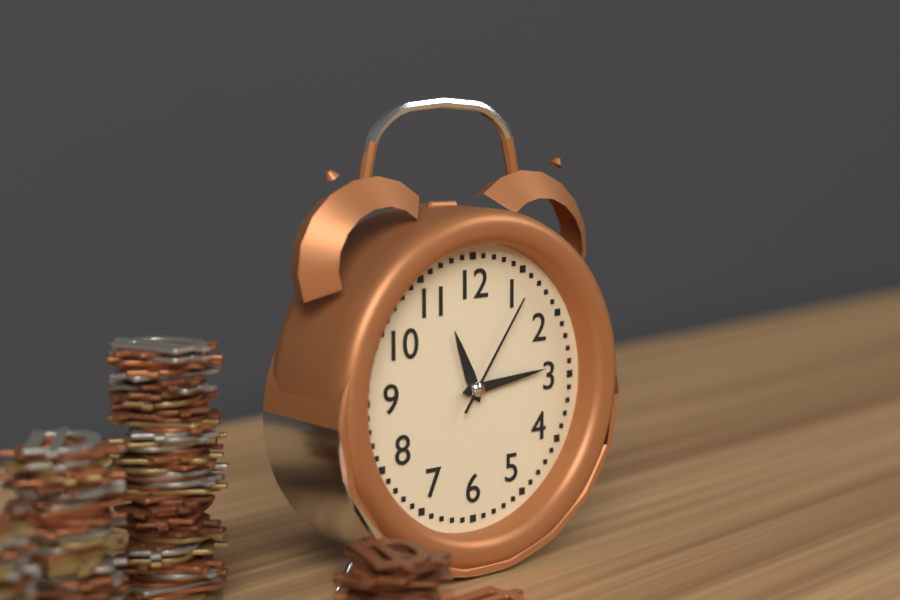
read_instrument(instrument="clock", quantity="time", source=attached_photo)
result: 11:14:06
